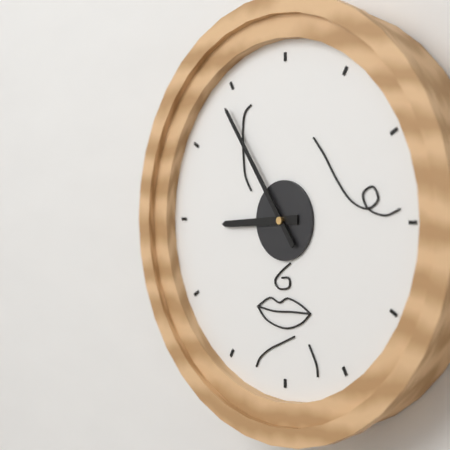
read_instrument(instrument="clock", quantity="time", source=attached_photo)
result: 8:54
